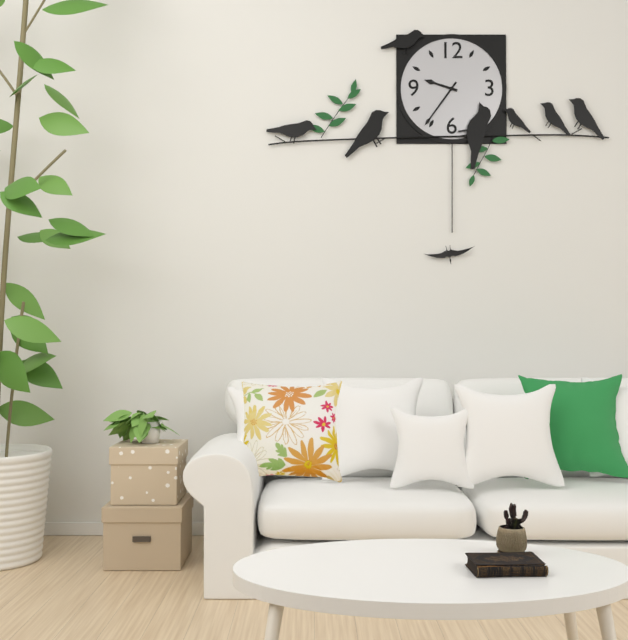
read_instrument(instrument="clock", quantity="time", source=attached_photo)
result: 9:36
